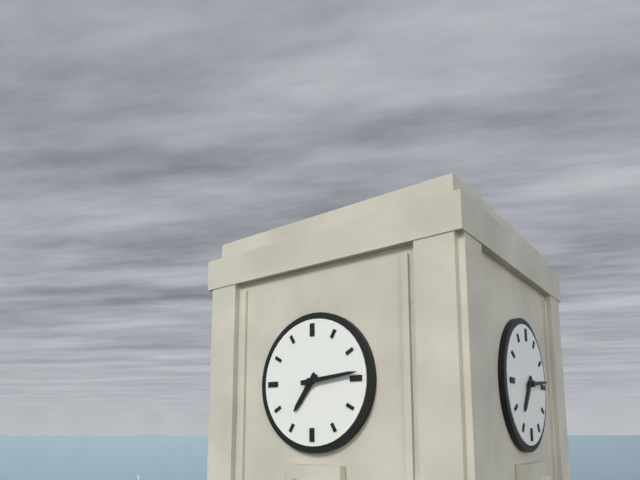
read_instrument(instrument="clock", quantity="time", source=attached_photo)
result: 7:14
